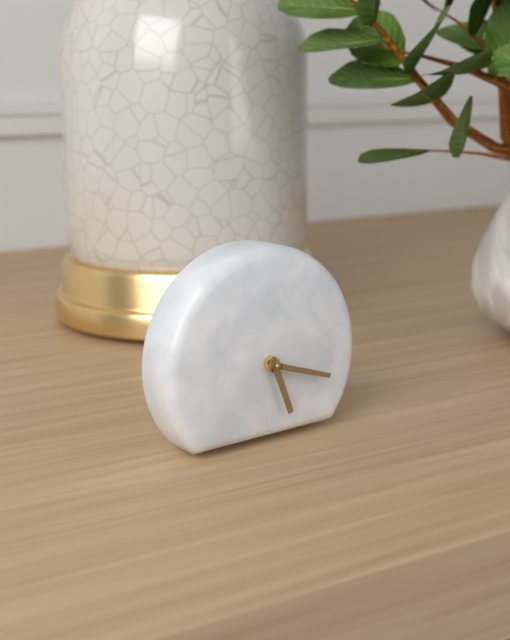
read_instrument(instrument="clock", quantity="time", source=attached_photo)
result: 5:18
